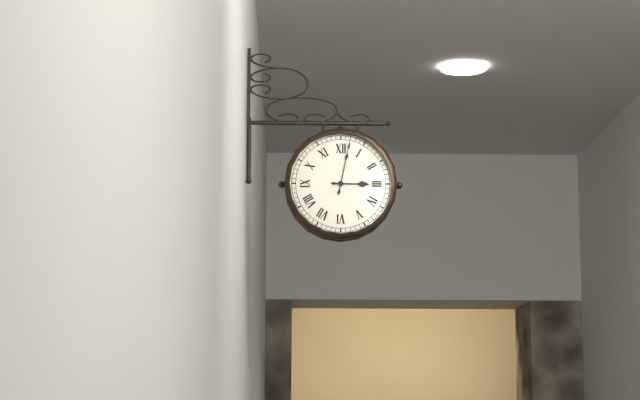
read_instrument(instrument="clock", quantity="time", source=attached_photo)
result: 3:02
